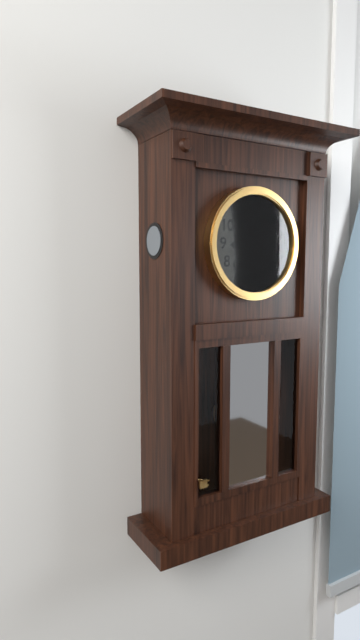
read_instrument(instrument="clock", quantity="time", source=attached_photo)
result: 8:55
